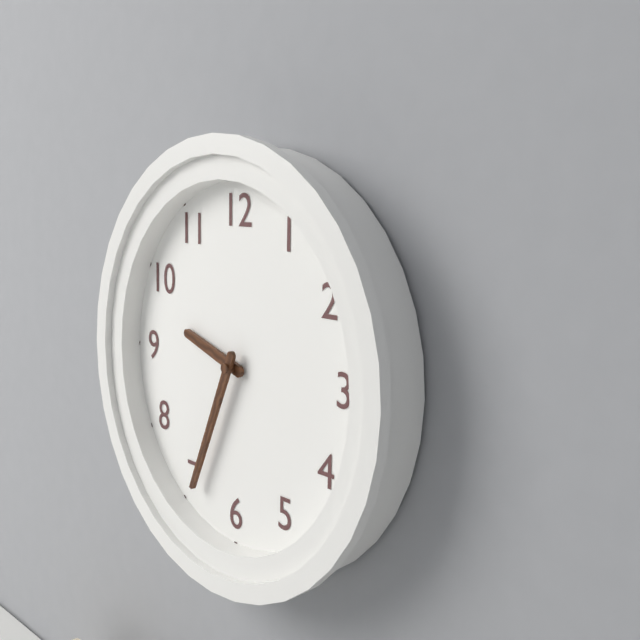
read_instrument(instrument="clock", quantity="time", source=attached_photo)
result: 9:34
